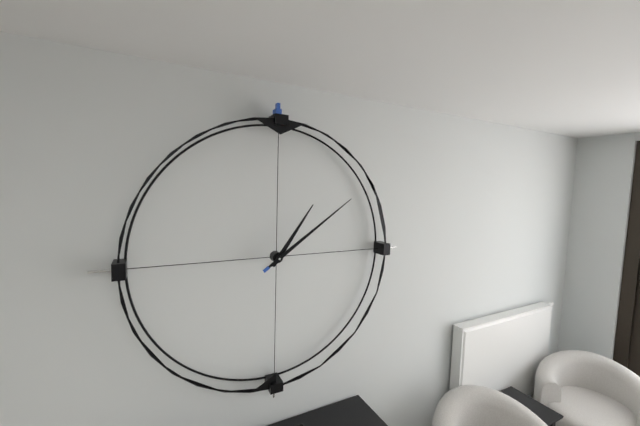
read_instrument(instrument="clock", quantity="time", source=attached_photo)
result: 1:09
